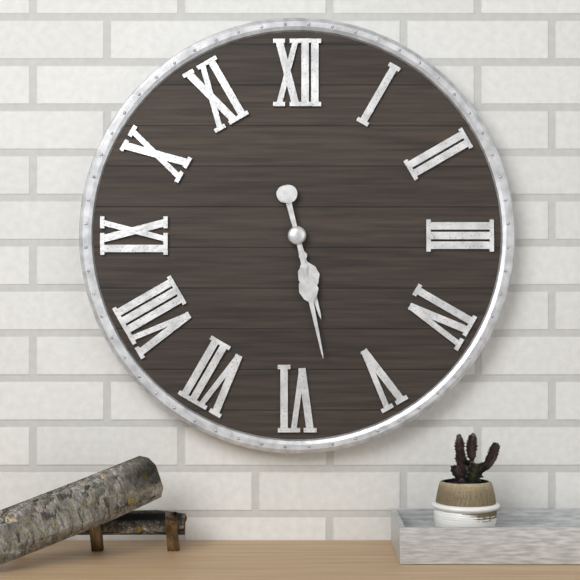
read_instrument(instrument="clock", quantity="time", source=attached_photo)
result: 5:28
